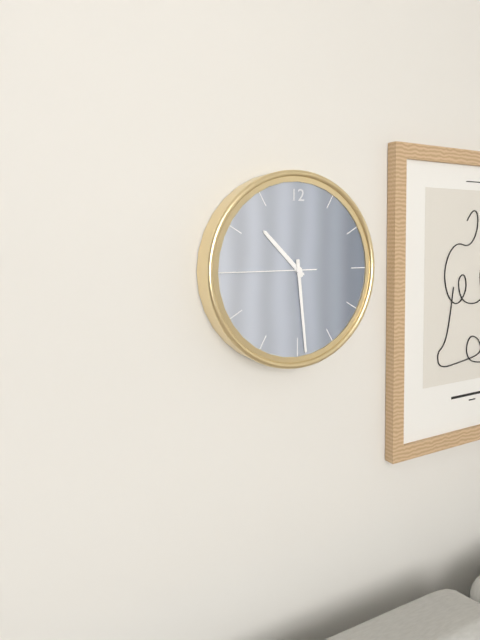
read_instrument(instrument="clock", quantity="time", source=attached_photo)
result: 10:29:45
